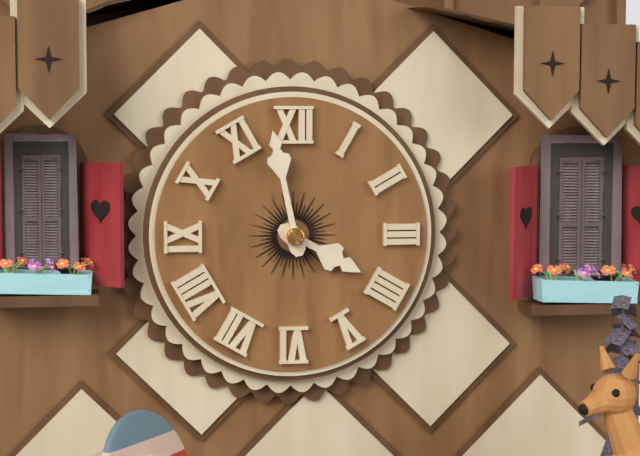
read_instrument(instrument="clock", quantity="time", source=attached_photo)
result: 3:58
